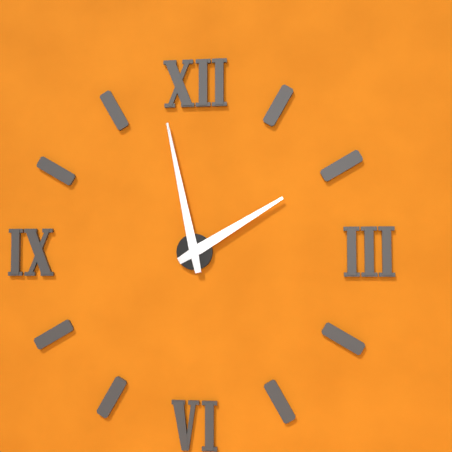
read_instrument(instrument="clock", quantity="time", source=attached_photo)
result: 1:58
